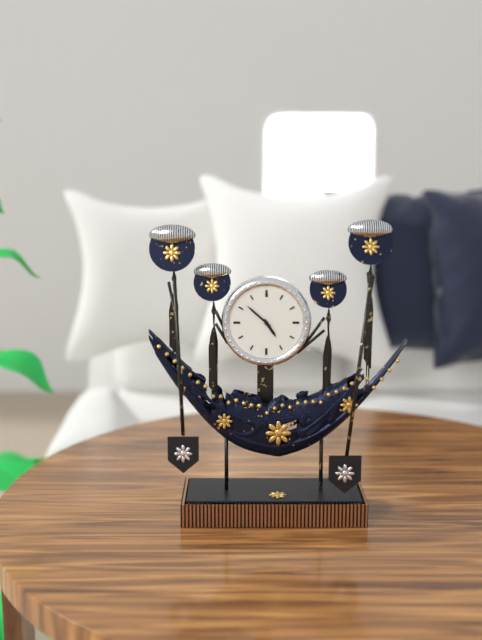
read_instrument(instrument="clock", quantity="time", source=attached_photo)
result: 4:52
